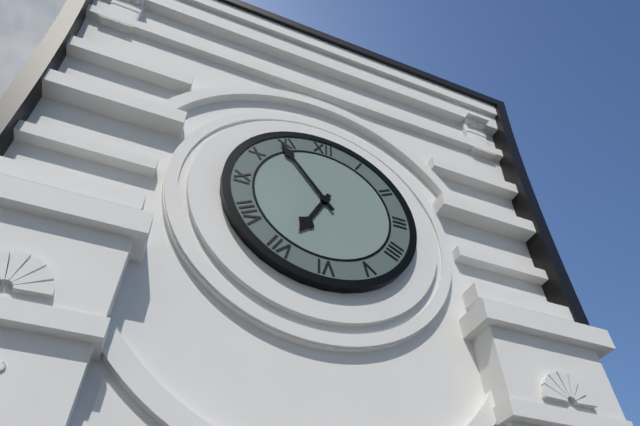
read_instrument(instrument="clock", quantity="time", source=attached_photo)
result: 6:54
